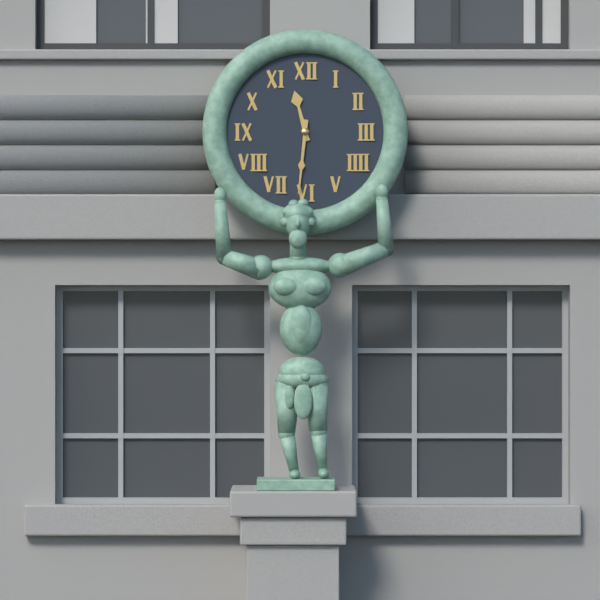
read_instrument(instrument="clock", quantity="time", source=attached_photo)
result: 11:31
